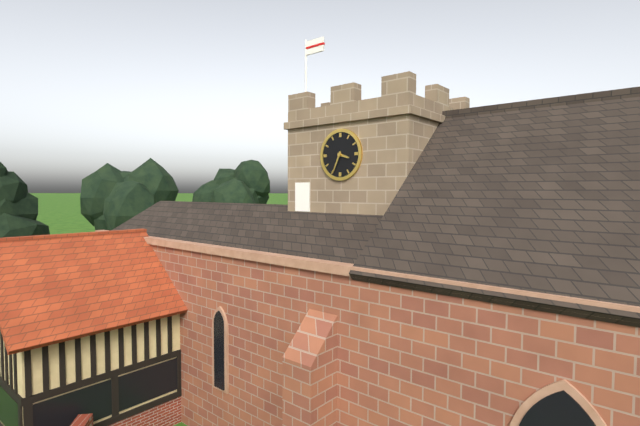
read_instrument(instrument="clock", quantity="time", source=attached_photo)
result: 3:34
